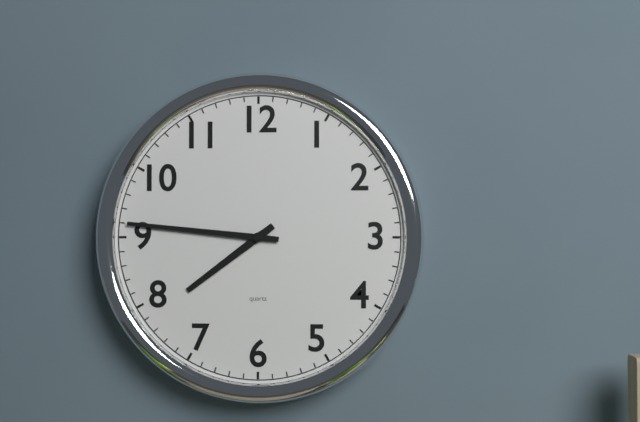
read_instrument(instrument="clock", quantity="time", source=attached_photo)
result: 7:46
